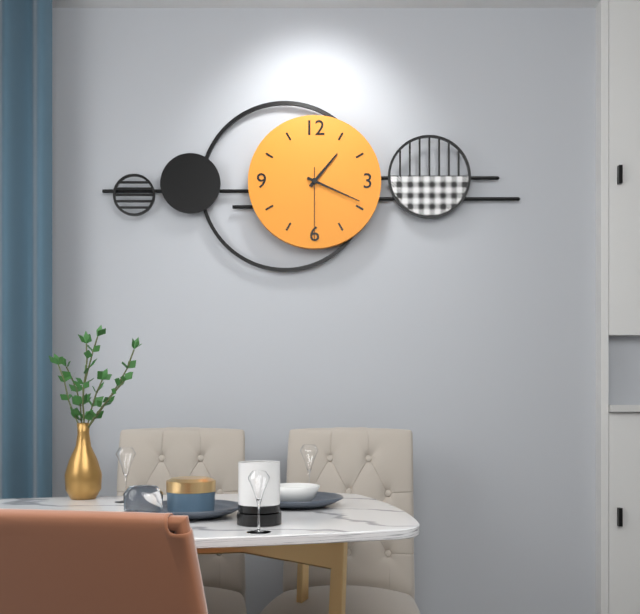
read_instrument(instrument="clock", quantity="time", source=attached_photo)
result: 1:19:30
